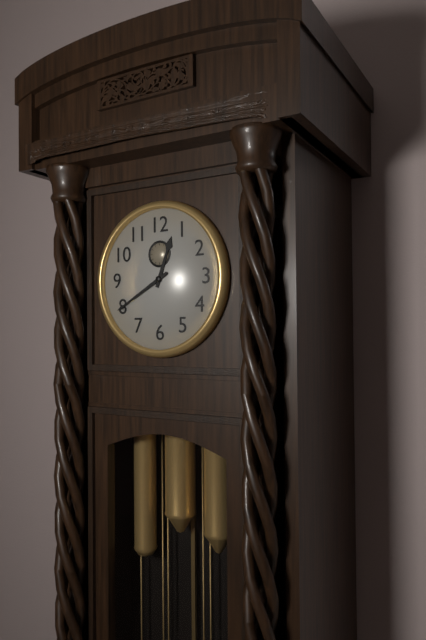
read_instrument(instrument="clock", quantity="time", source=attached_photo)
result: 12:40
